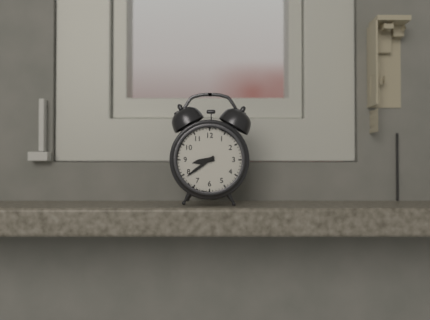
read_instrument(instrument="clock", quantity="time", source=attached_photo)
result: 8:39
